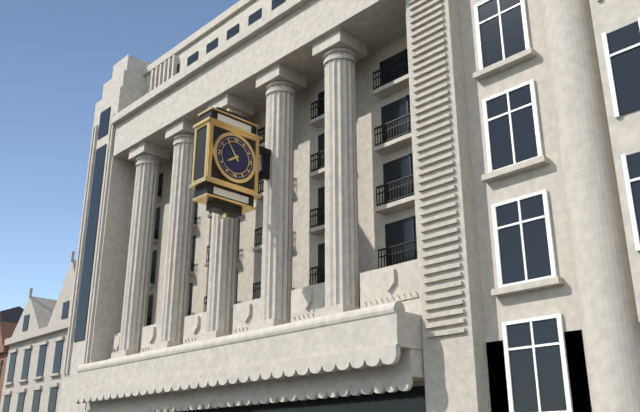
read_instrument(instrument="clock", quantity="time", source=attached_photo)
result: 7:54
